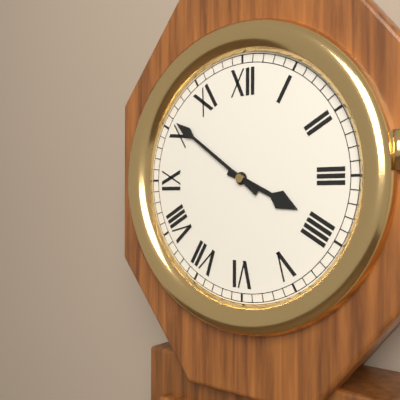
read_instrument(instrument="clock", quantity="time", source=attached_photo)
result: 3:51
